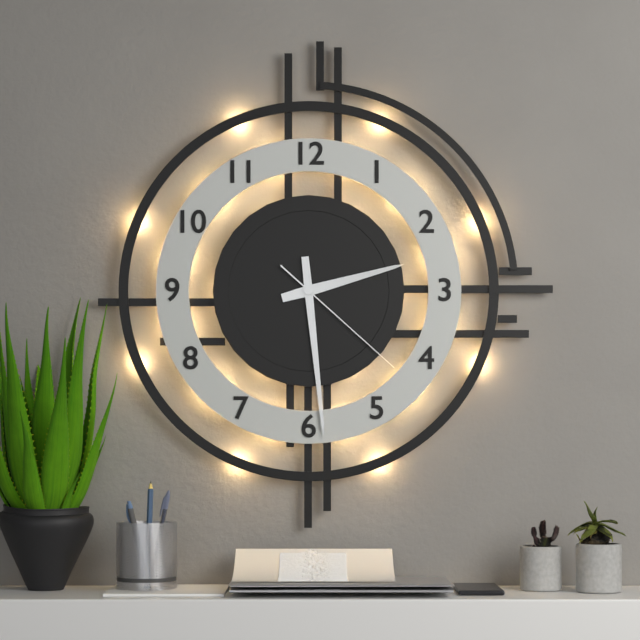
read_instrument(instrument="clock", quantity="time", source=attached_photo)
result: 2:29:22
